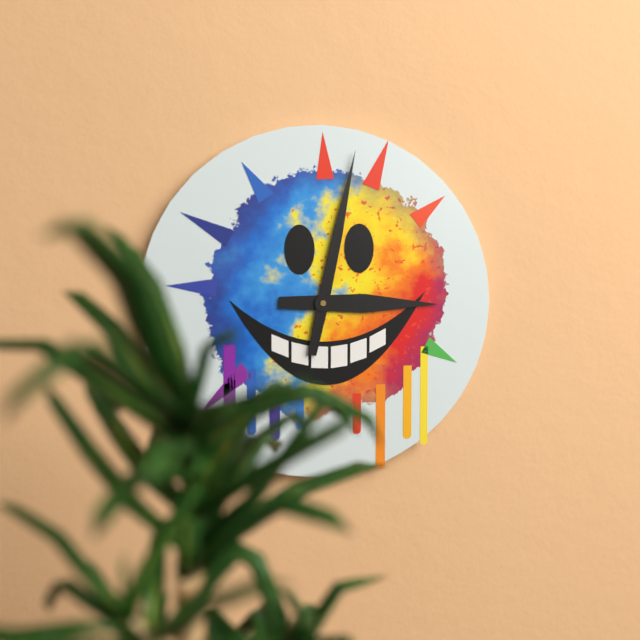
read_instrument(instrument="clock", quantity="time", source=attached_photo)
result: 3:02
